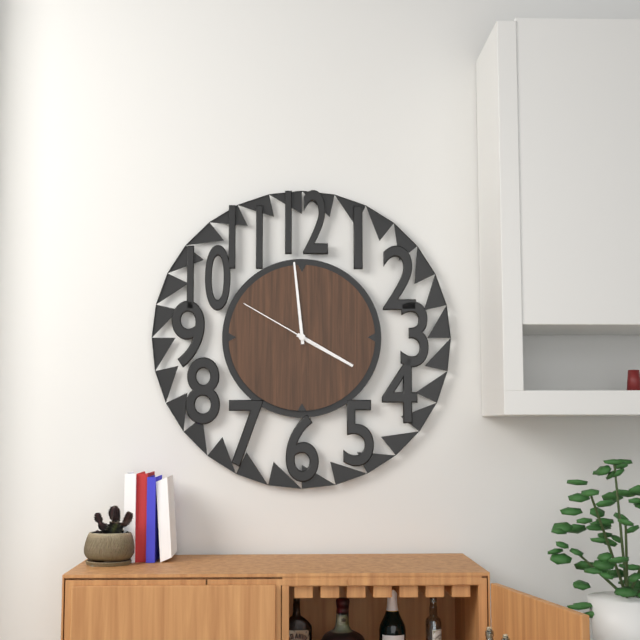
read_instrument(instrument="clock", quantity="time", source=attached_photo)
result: 3:59:50
